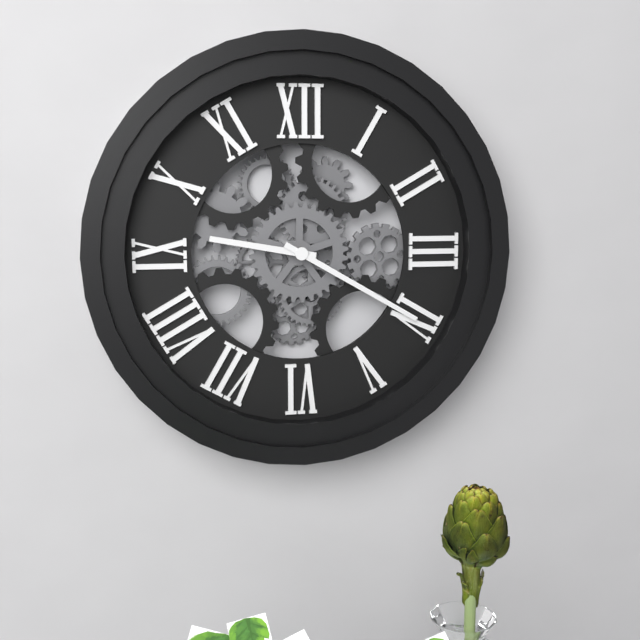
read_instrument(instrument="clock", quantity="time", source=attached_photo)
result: 9:20
